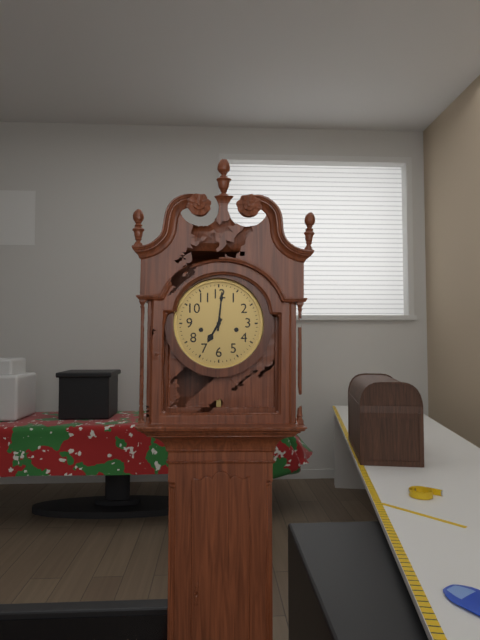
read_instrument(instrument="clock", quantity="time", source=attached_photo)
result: 7:01
